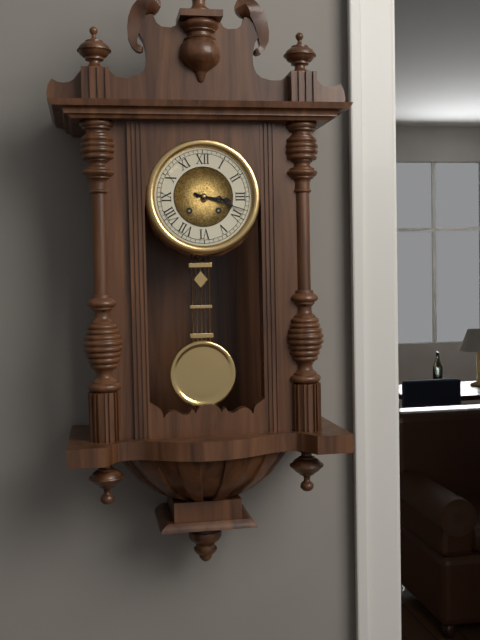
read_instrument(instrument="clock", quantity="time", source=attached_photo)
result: 3:18
